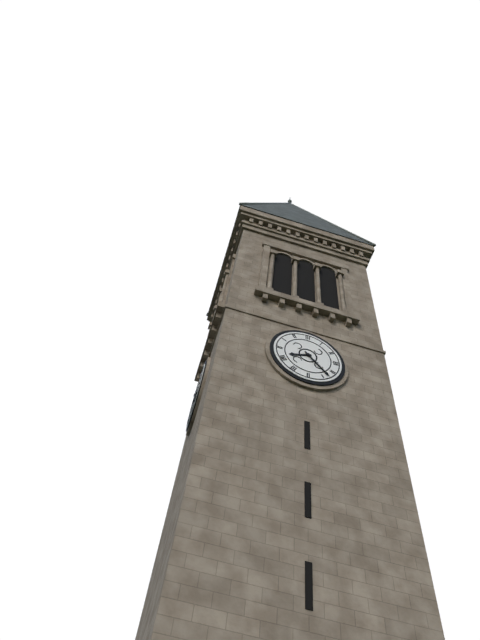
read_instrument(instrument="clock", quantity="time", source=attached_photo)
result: 8:23
